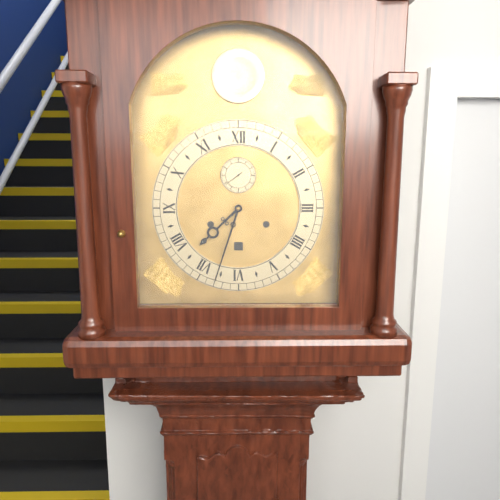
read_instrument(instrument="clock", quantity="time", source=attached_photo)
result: 7:33
